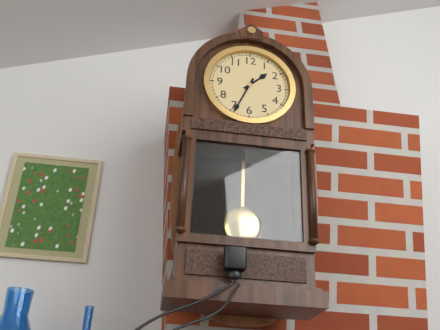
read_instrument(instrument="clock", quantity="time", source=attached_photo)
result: 1:34
